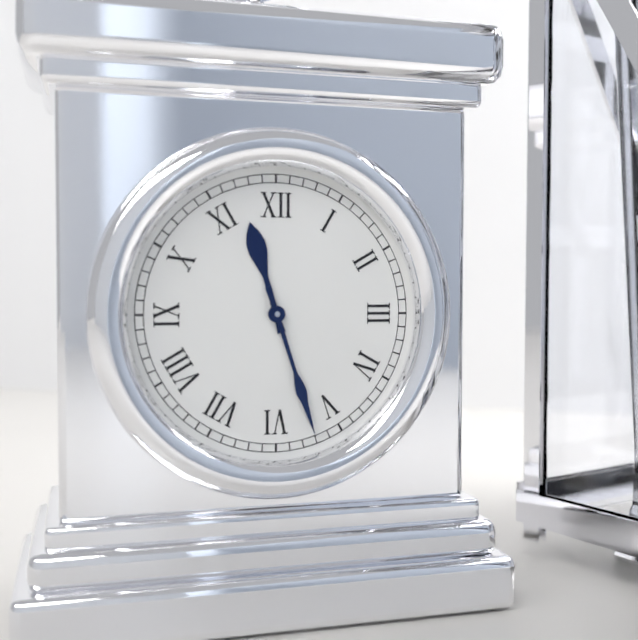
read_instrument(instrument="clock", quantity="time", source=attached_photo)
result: 11:27
